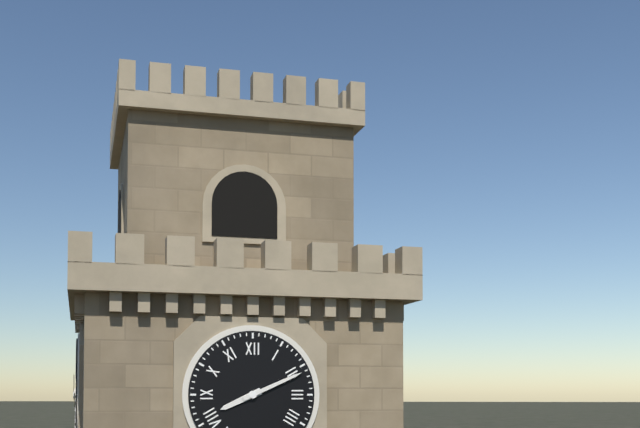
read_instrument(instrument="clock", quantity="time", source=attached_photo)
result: 8:11
